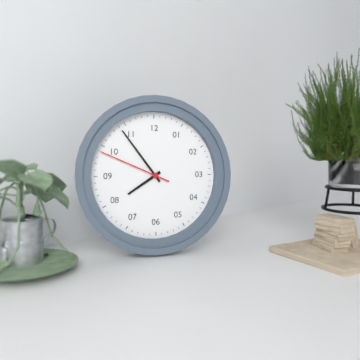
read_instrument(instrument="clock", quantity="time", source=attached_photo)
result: 7:54:49
